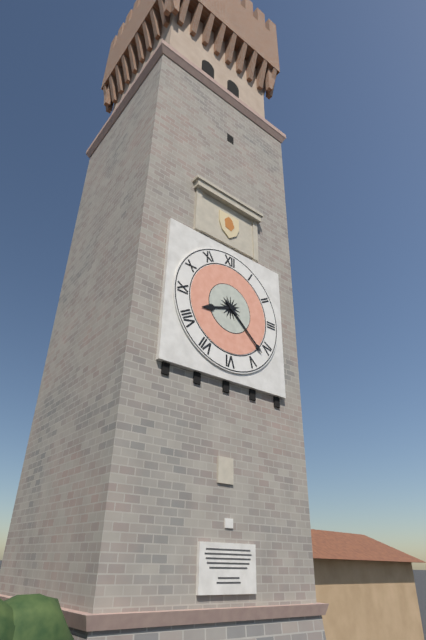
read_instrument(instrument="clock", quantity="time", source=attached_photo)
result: 8:22
